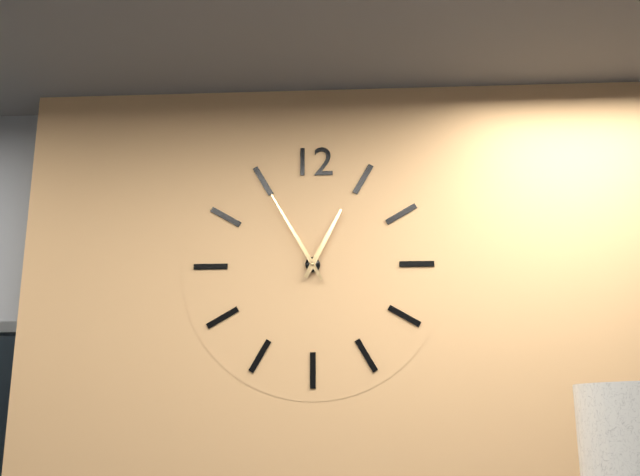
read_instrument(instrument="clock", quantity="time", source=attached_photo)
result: 12:55
